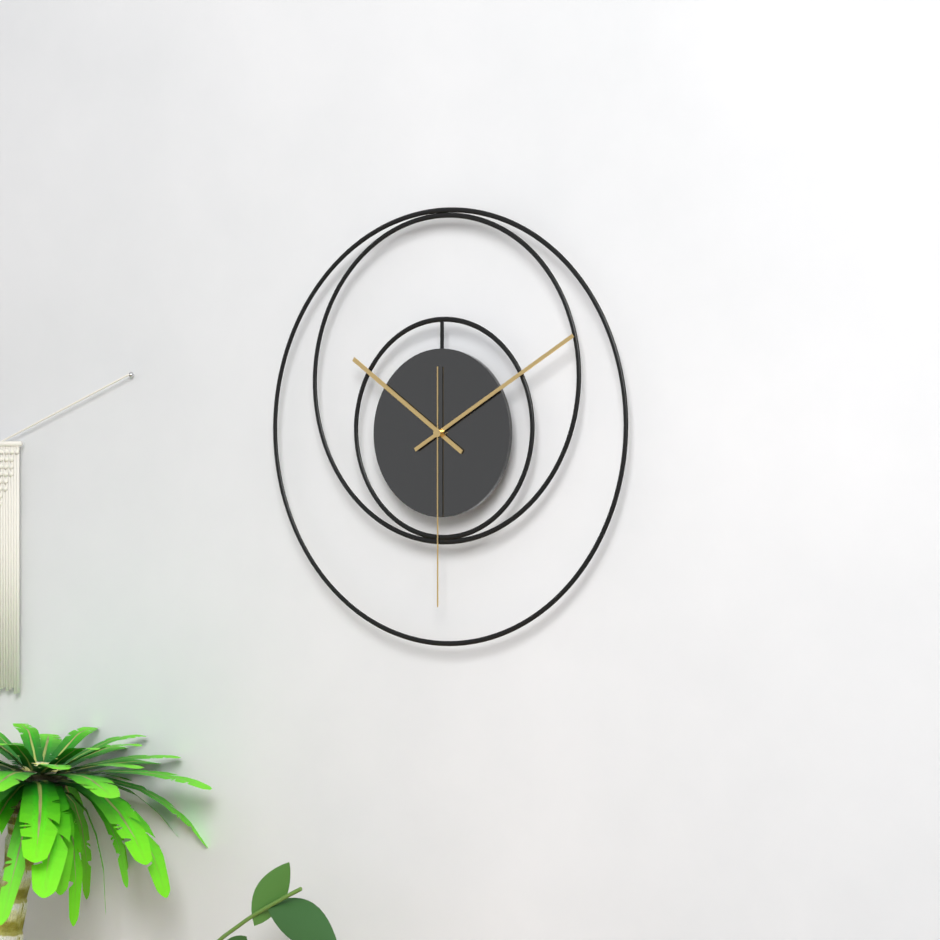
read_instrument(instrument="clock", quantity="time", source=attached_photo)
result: 10:10:30
